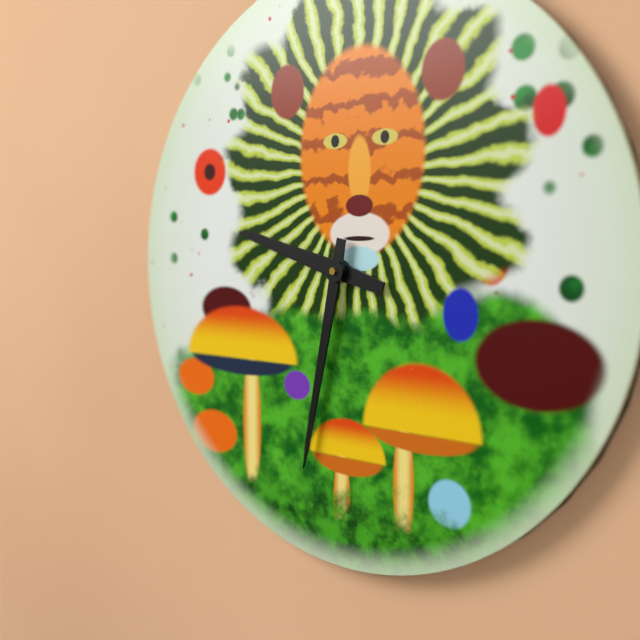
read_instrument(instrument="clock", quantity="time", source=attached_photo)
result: 9:32
